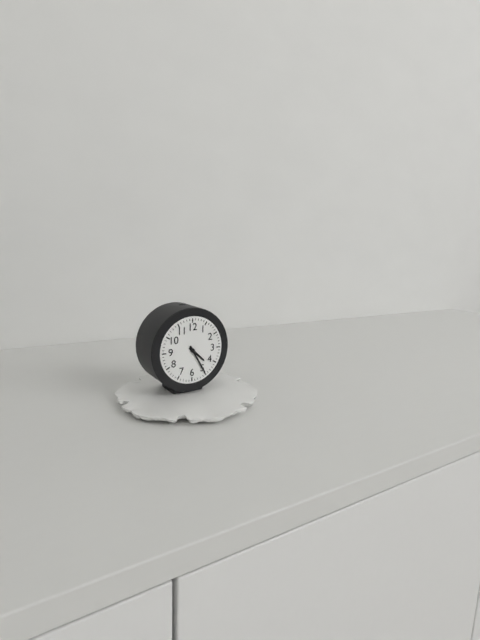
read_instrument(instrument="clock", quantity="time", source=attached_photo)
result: 4:25
